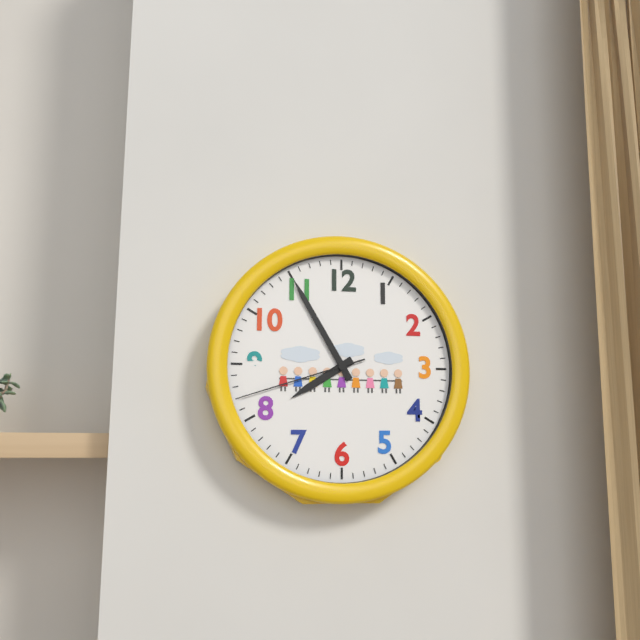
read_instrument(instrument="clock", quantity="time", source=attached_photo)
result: 7:55:42
